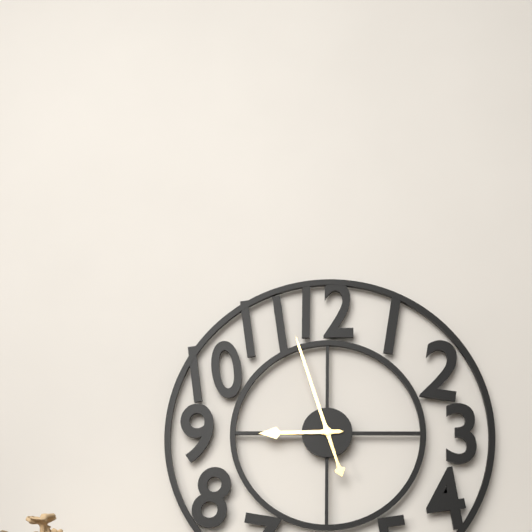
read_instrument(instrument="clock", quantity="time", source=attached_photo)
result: 8:57
